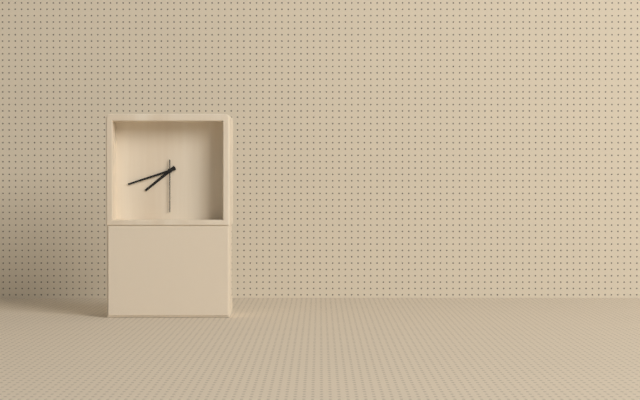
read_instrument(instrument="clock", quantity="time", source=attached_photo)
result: 7:42:30
